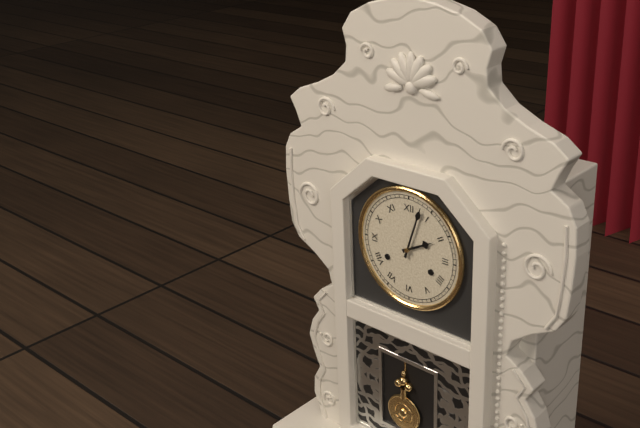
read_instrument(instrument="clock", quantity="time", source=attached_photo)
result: 2:03
